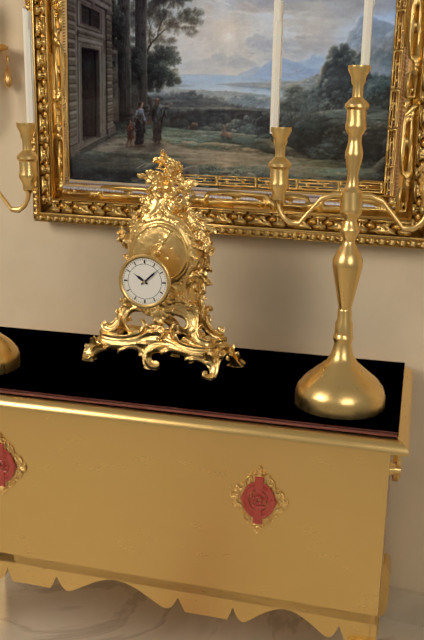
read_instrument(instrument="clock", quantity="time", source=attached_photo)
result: 10:08
